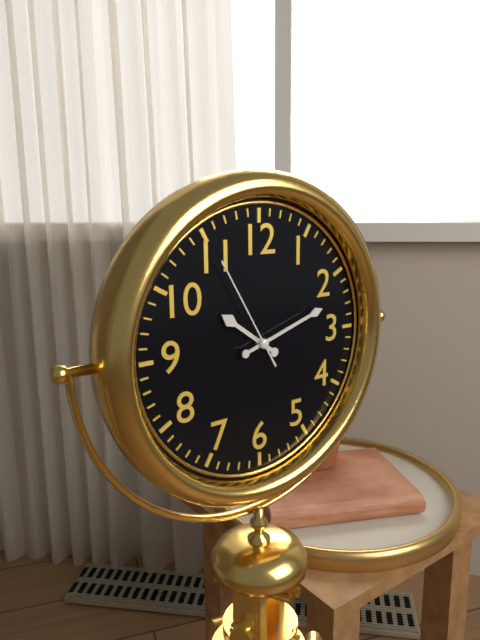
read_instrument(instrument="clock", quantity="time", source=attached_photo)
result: 10:12:55
